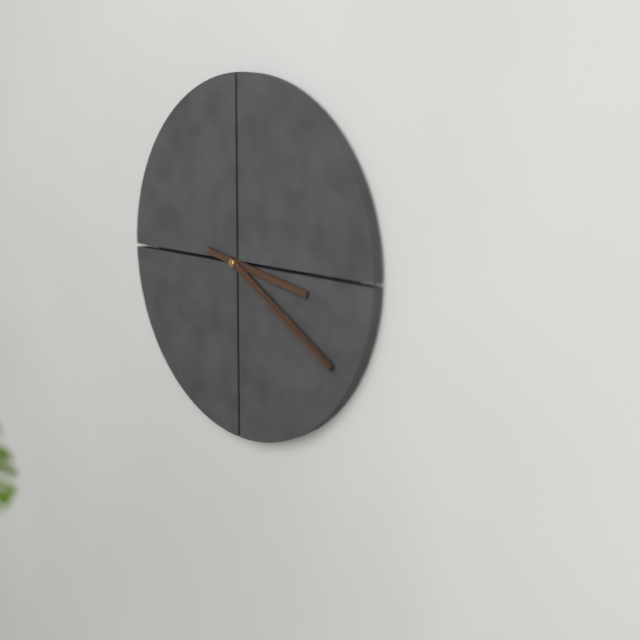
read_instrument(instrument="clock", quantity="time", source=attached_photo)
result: 3:20
